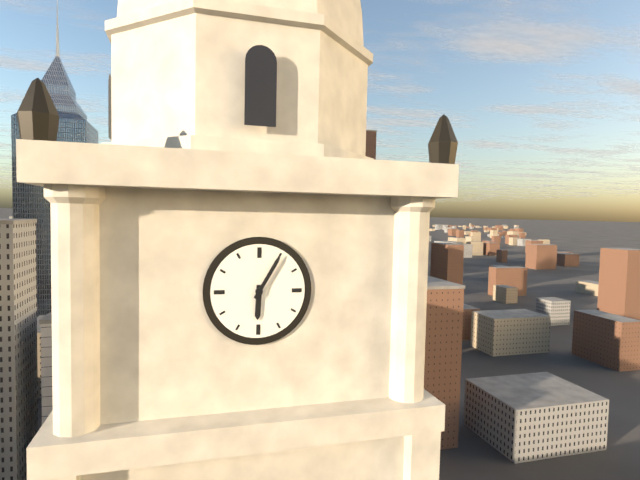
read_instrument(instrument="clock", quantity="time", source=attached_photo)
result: 6:05
